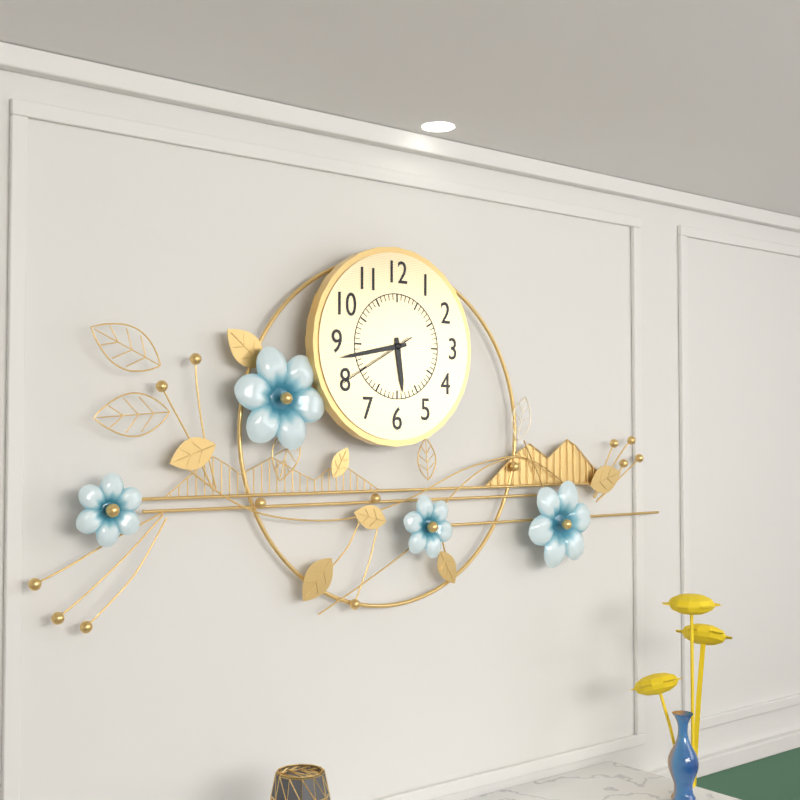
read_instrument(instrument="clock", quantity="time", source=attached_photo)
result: 5:43:40
